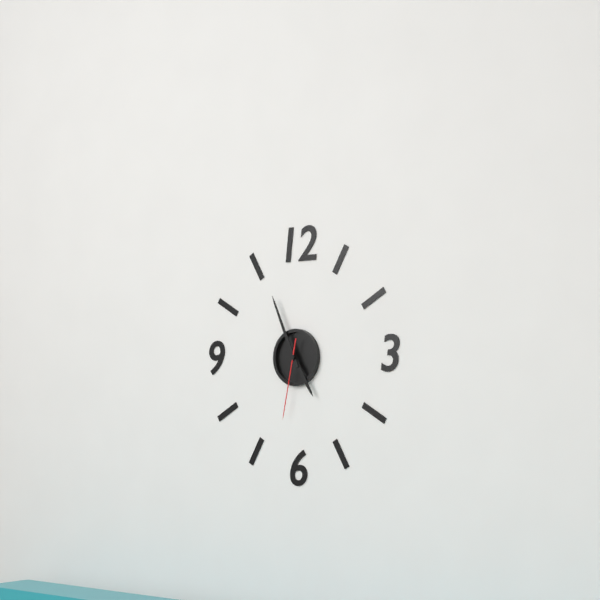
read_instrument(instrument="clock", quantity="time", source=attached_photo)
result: 4:56:32
